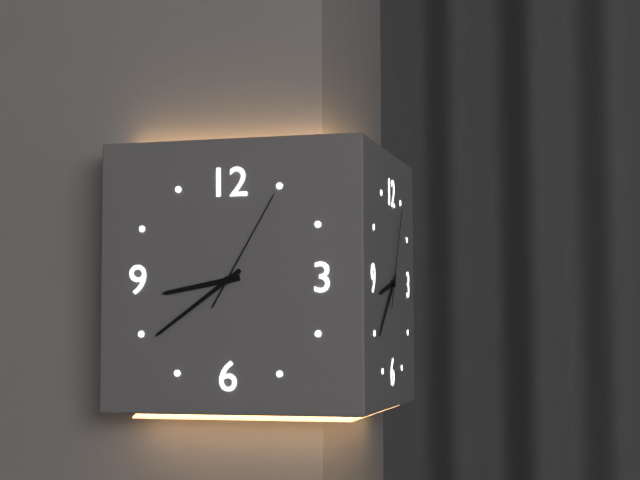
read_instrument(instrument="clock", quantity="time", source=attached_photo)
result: 8:39:05
